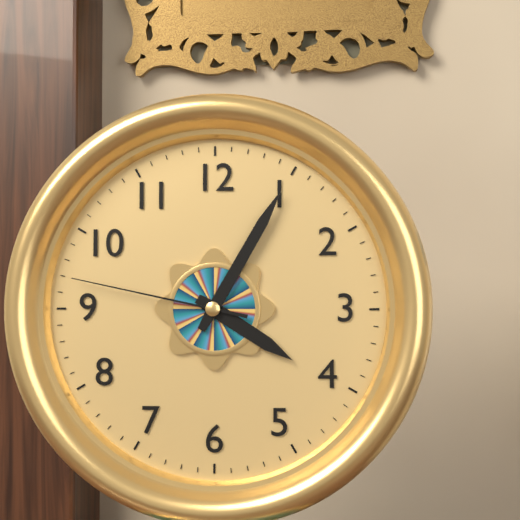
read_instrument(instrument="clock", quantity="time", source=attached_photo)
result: 4:05:47
